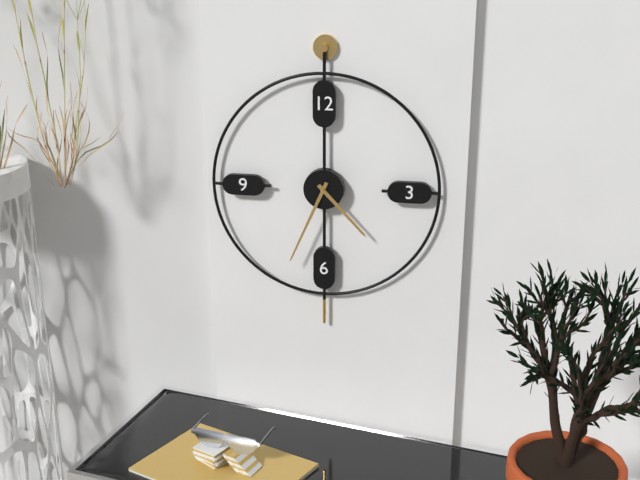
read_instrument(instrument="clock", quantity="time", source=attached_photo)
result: 4:34
